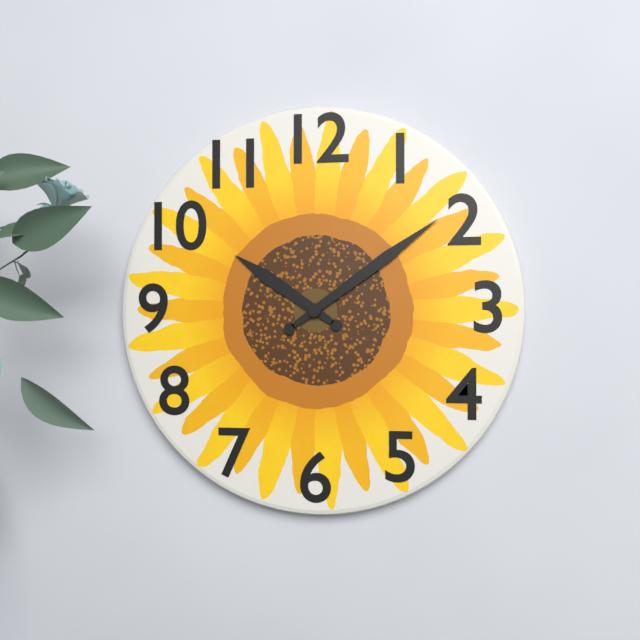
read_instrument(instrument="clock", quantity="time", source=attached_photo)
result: 10:09
